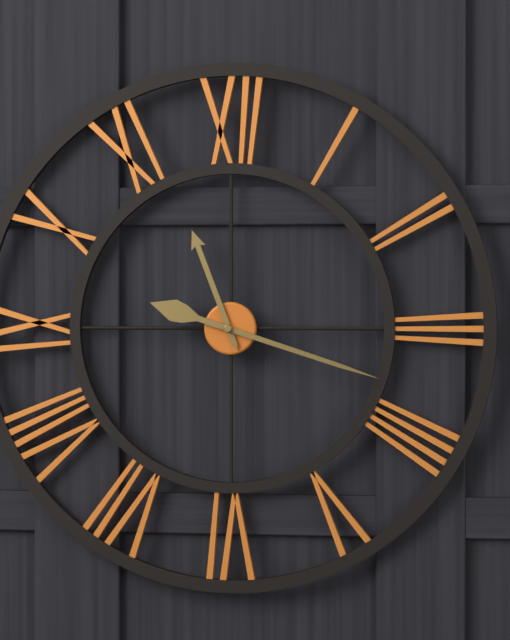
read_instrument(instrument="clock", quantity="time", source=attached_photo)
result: 11:18
